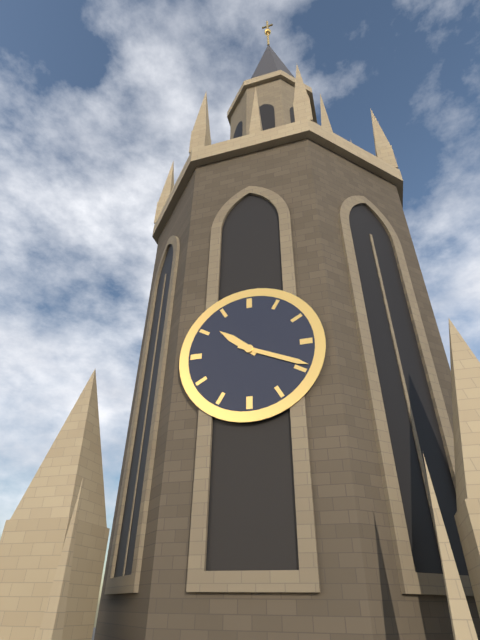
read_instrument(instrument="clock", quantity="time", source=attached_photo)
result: 10:19
